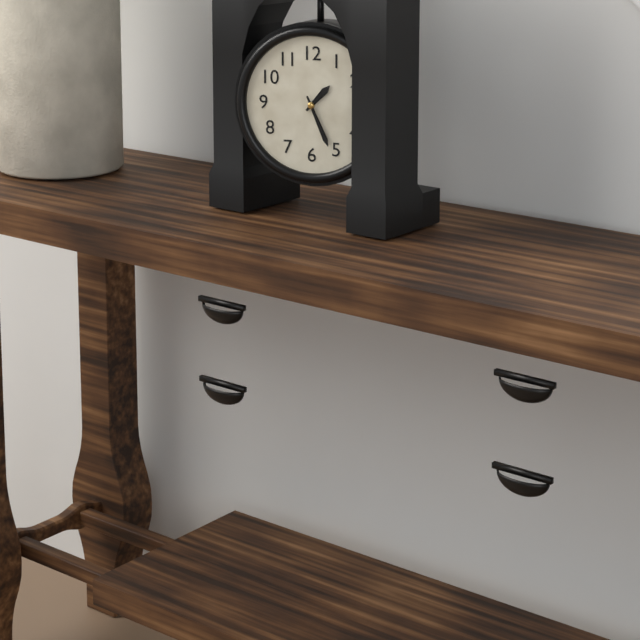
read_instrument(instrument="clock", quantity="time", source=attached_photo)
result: 1:26
